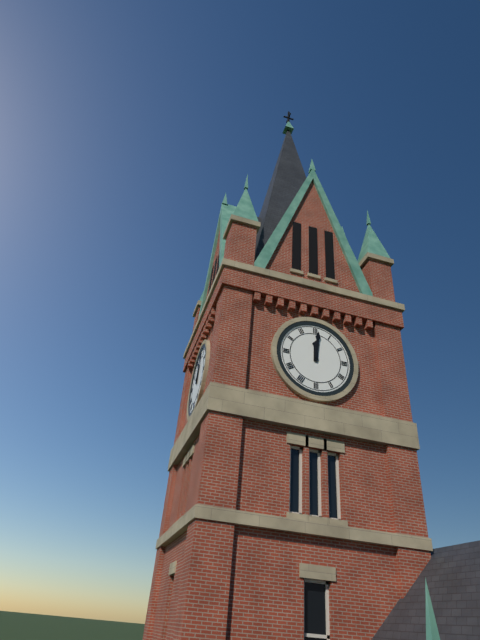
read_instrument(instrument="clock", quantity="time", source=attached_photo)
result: 12:01
